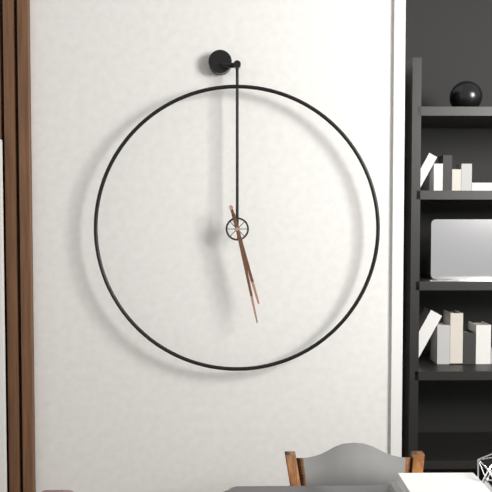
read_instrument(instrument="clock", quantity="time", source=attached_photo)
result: 5:28
